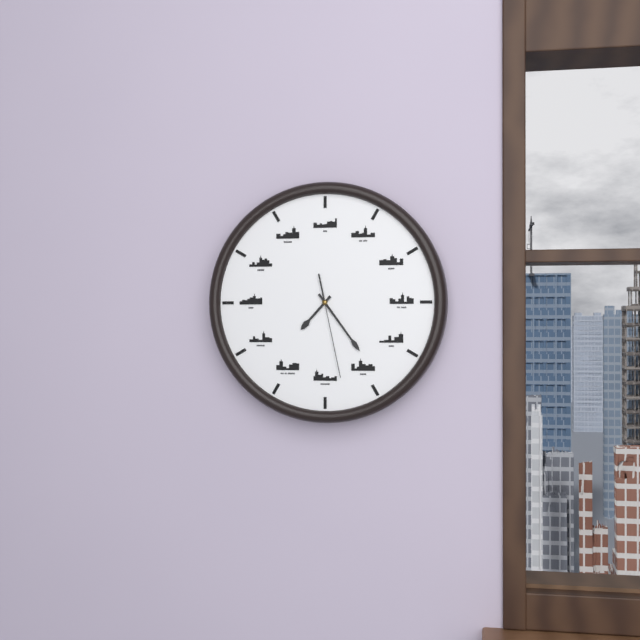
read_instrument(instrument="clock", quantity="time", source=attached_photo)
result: 7:24:28
